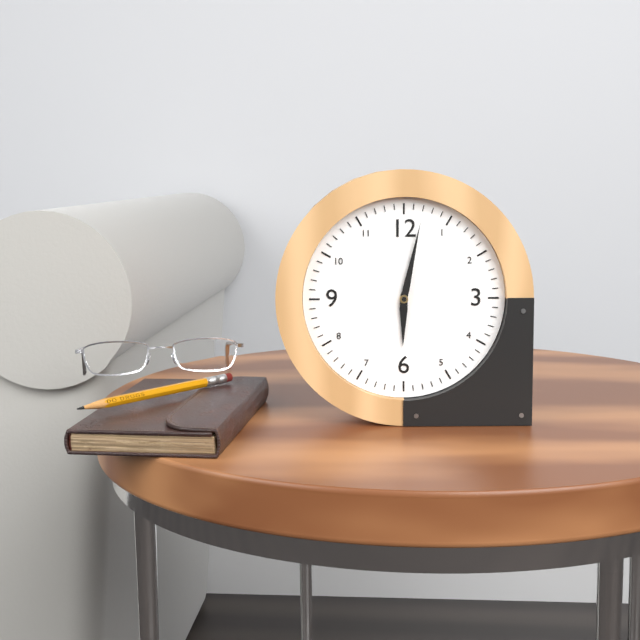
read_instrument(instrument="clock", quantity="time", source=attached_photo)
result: 6:02
